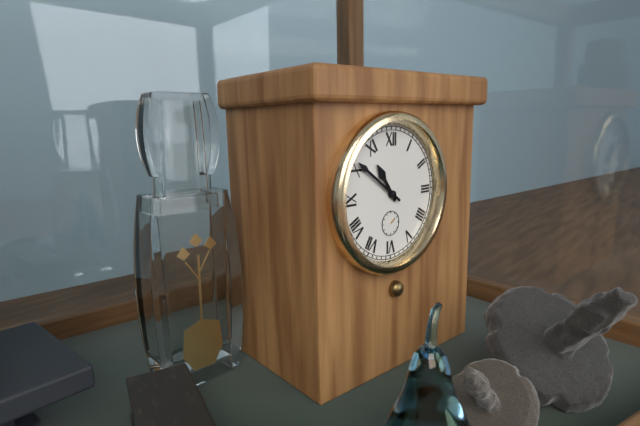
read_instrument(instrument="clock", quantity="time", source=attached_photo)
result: 10:51
